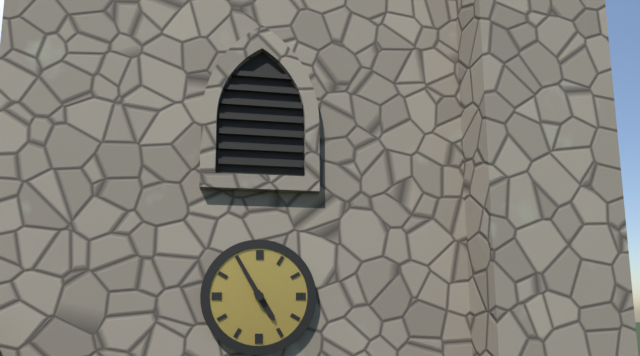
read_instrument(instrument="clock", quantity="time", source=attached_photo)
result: 4:55
